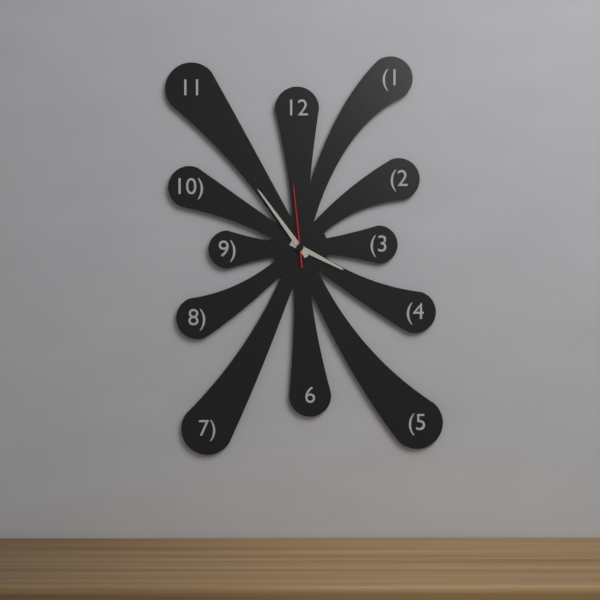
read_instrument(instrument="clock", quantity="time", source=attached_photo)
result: 3:54:59
